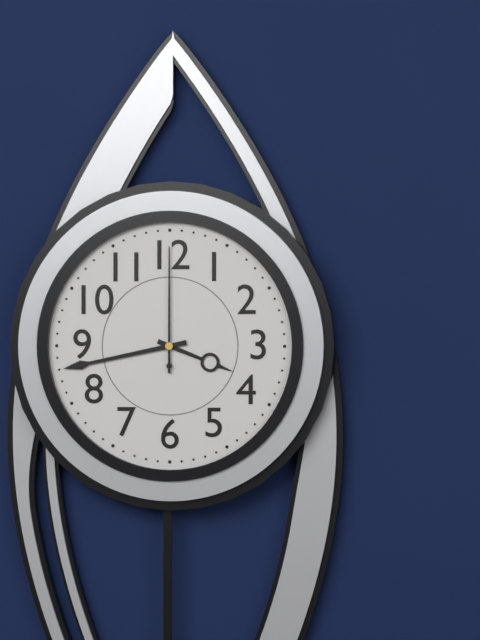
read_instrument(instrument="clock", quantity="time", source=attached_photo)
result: 3:43:00
